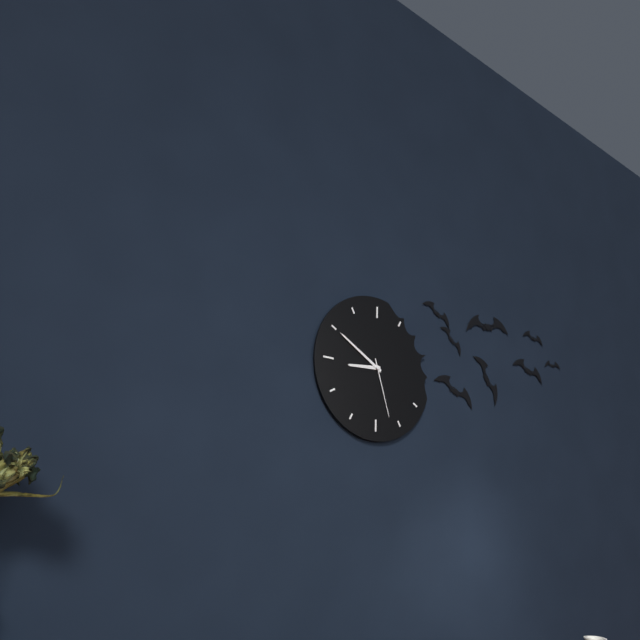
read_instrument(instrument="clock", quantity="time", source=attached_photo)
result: 8:50:27
